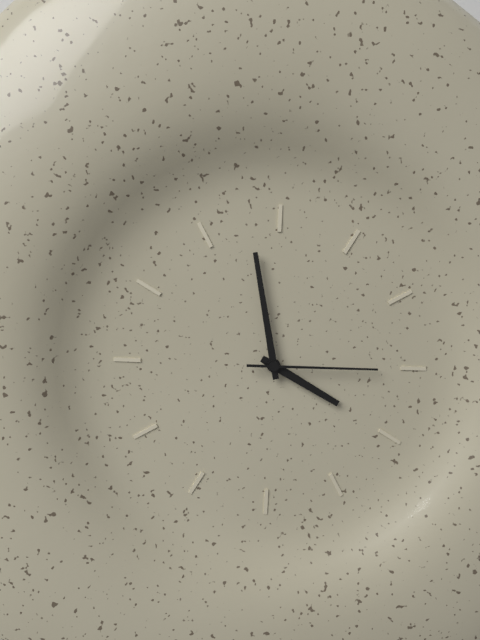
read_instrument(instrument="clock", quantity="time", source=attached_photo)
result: 3:58:15
